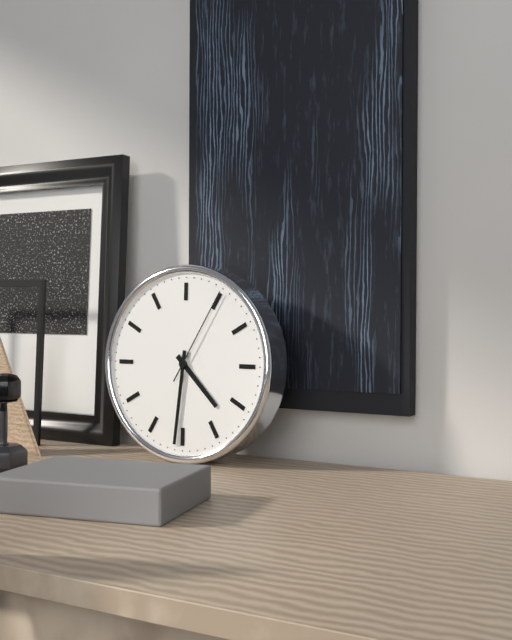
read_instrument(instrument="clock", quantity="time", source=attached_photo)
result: 4:31:05
